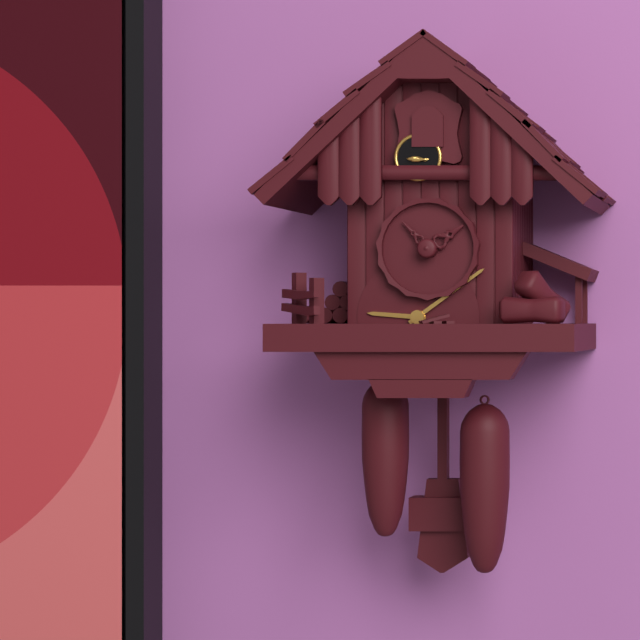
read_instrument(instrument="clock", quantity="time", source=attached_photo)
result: 9:09
